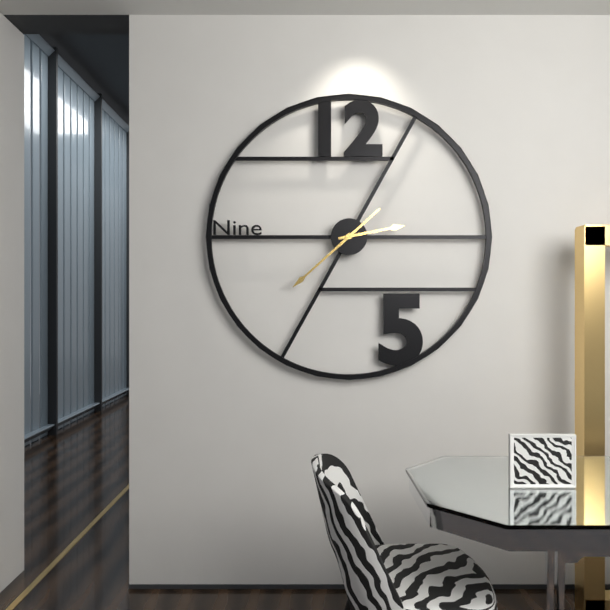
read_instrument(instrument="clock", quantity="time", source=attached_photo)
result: 2:38
